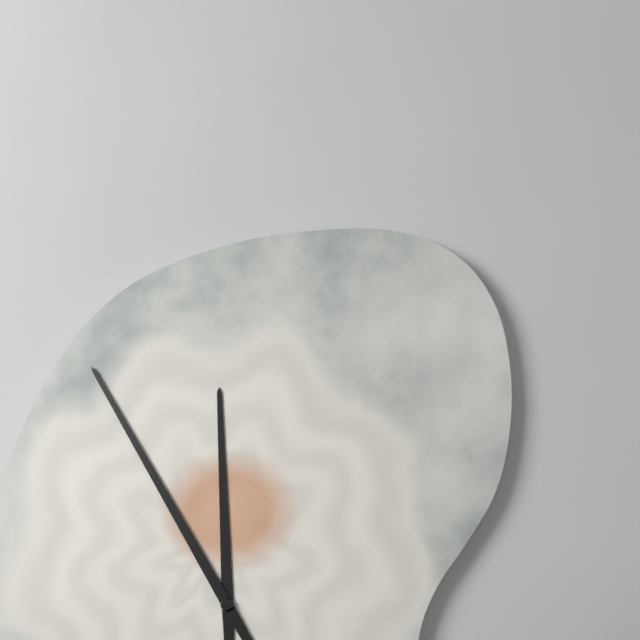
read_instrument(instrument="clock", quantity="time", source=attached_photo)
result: 11:55
